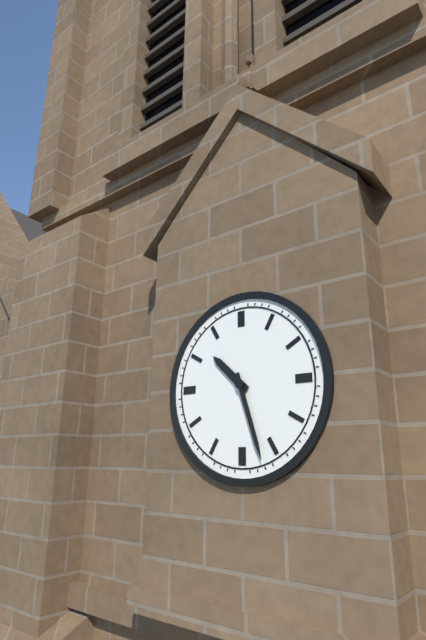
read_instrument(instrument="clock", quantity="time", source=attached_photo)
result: 10:27
